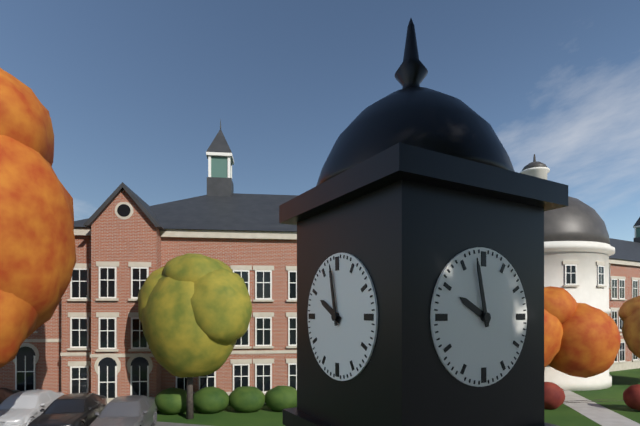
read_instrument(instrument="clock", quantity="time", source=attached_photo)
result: 9:58
